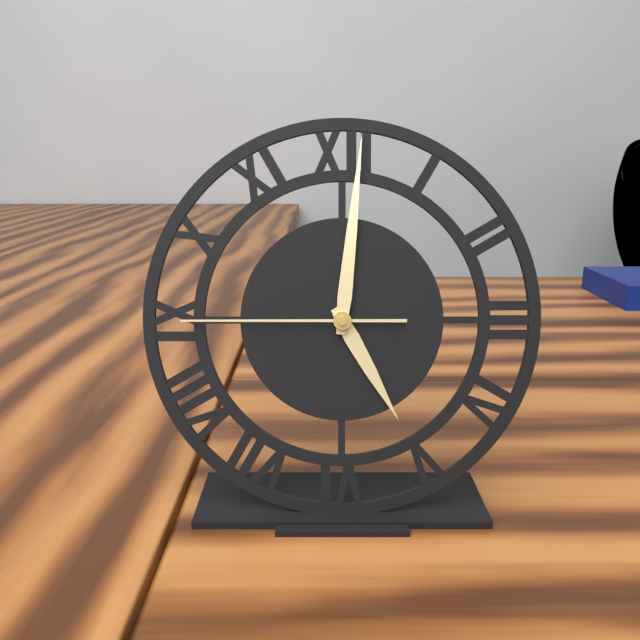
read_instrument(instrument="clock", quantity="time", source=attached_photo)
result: 5:01:45
